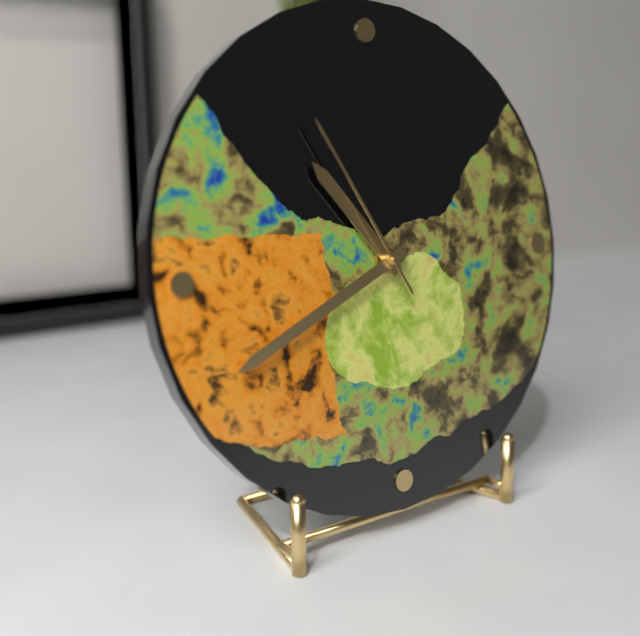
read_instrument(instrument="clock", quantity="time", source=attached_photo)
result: 10:41:55
